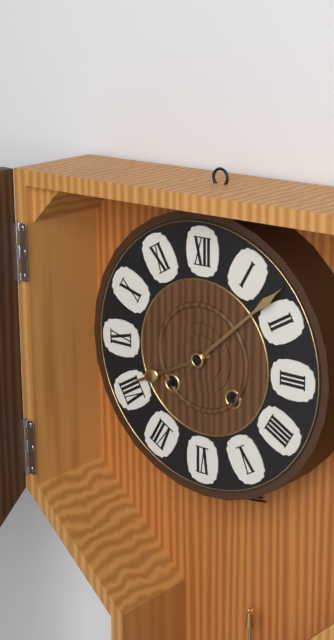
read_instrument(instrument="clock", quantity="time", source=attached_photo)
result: 8:08
